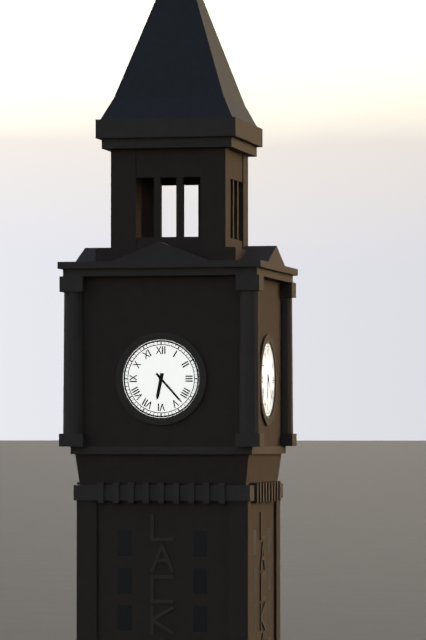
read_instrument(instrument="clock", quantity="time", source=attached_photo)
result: 6:23
